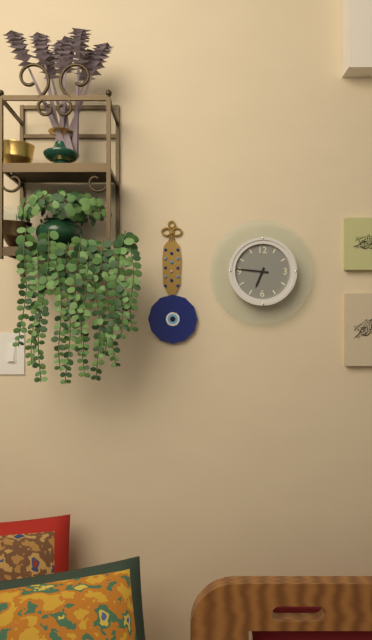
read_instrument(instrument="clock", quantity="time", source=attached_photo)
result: 6:46
